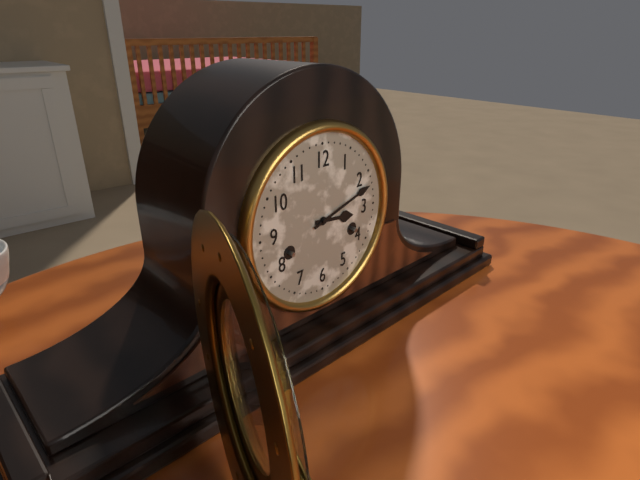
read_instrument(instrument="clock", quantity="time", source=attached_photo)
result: 3:12
